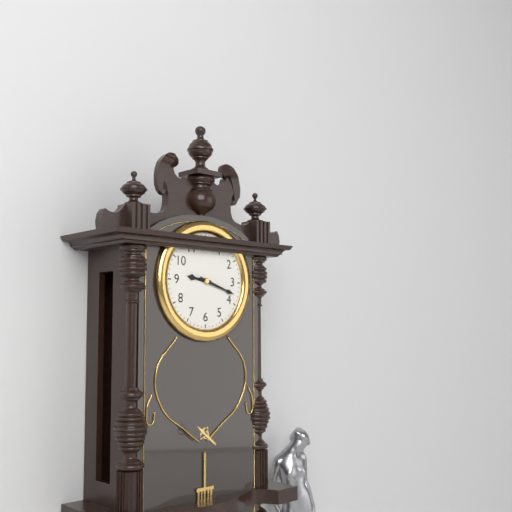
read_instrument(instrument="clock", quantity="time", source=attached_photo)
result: 9:18
